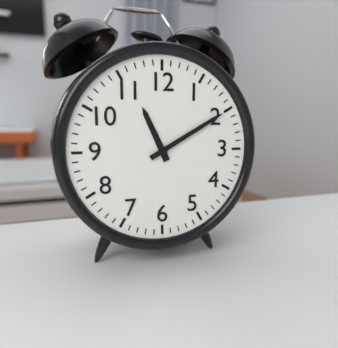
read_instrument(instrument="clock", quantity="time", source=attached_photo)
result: 11:10
